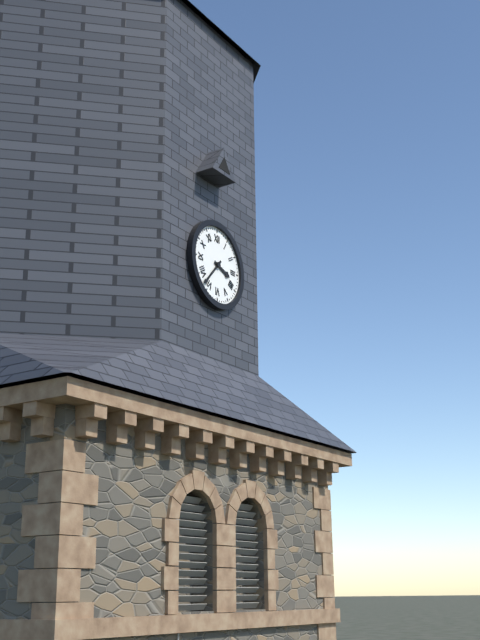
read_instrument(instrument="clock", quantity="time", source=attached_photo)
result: 3:37
